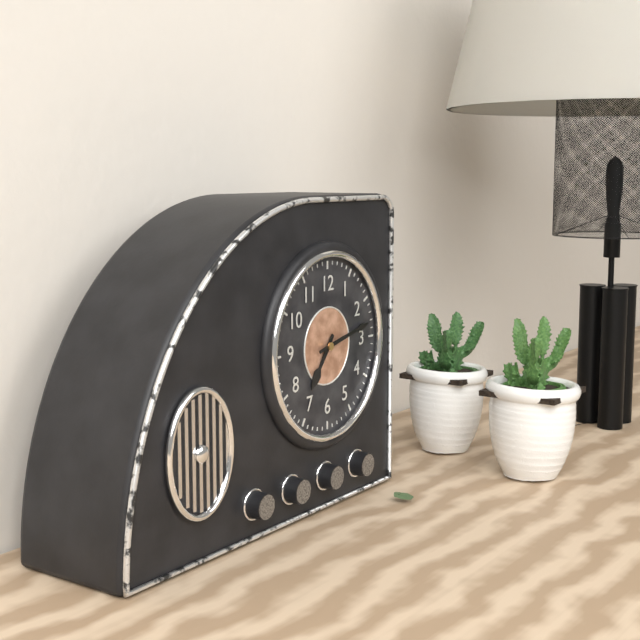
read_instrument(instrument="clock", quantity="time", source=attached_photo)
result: 7:13
